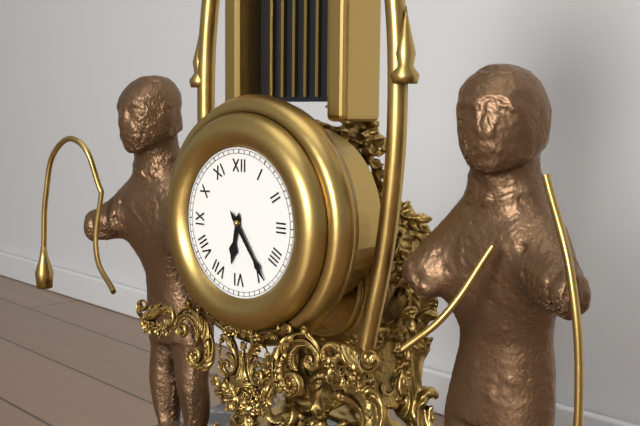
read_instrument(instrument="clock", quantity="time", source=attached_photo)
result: 6:24
